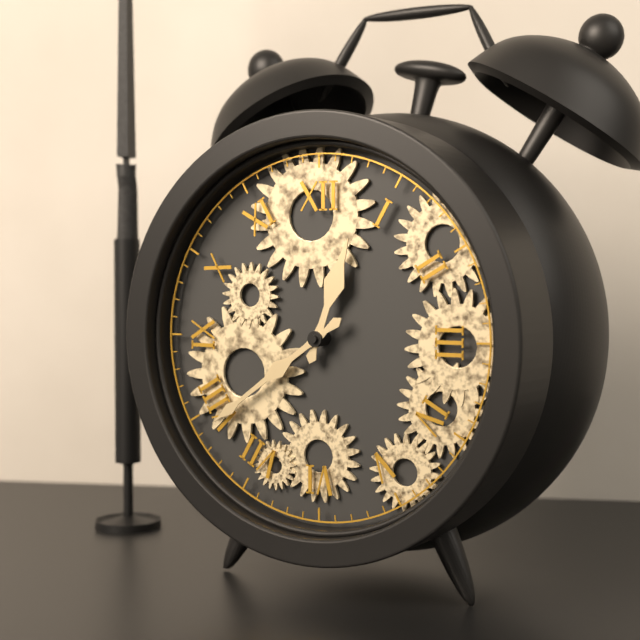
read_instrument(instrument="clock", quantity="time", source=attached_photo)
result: 12:39
